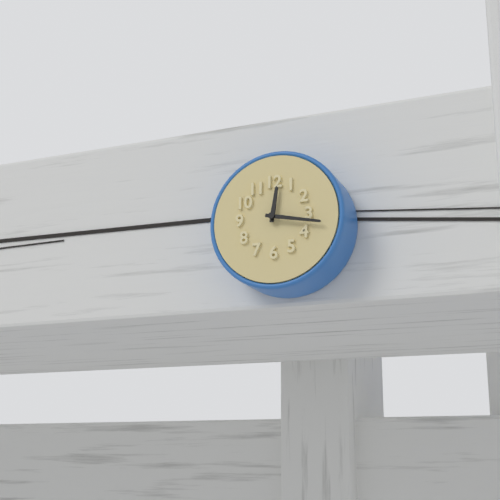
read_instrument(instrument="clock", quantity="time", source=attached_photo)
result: 12:17
